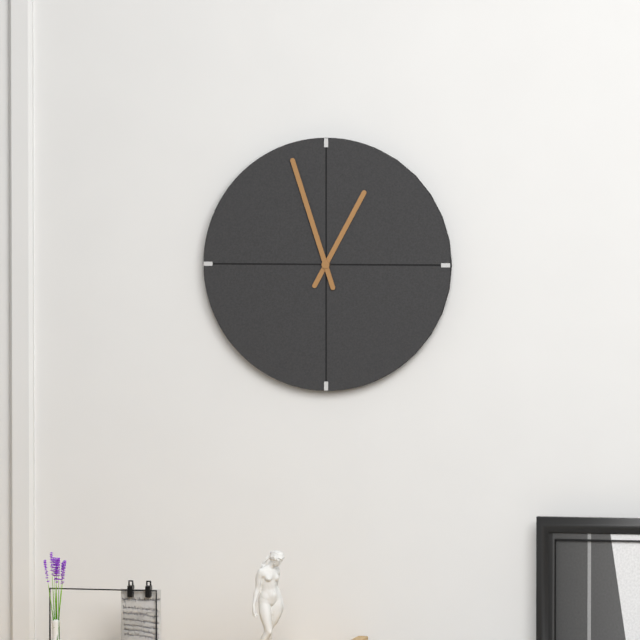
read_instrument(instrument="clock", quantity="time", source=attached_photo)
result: 12:57
